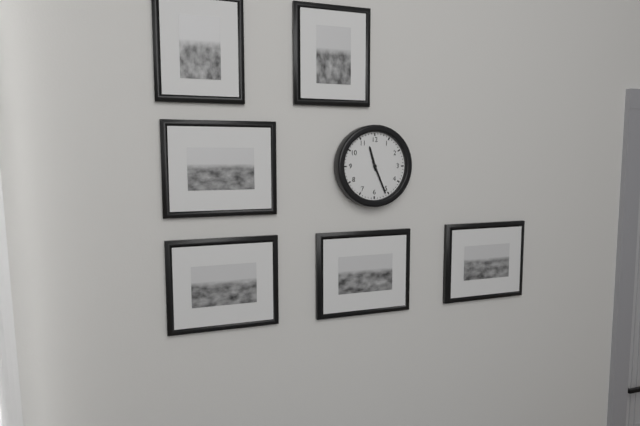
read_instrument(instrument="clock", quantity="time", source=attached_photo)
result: 11:26
